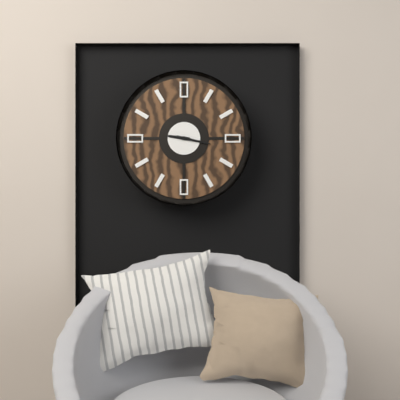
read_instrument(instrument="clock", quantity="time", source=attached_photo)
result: 9:17
